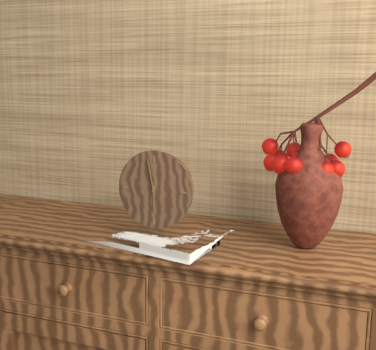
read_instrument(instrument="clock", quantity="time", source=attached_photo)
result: 5:58
